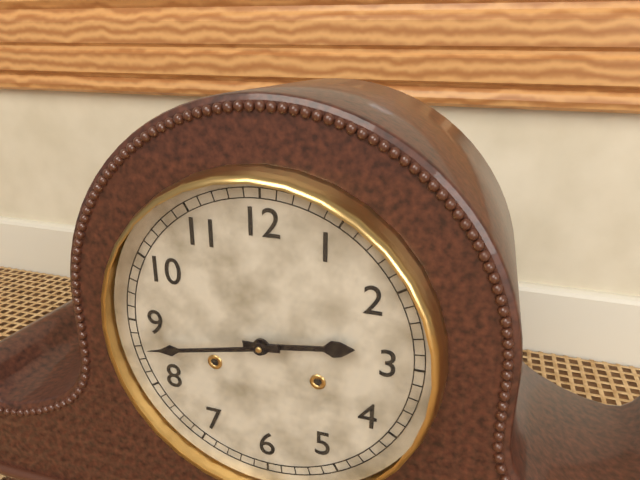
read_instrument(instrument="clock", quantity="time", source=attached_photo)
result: 2:43
